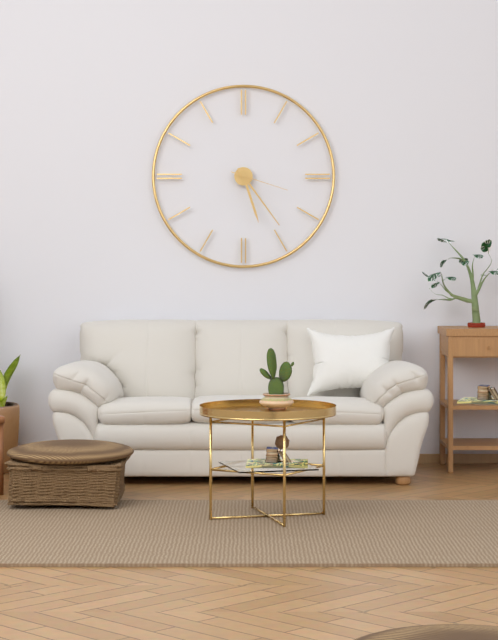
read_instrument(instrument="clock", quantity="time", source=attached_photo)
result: 5:24:18
